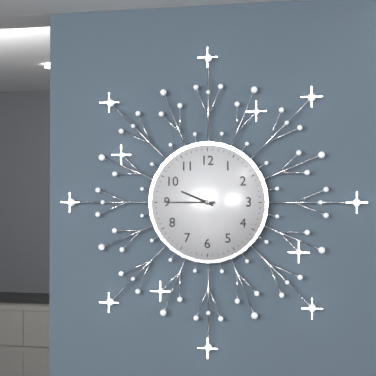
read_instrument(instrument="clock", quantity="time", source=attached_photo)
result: 9:45
